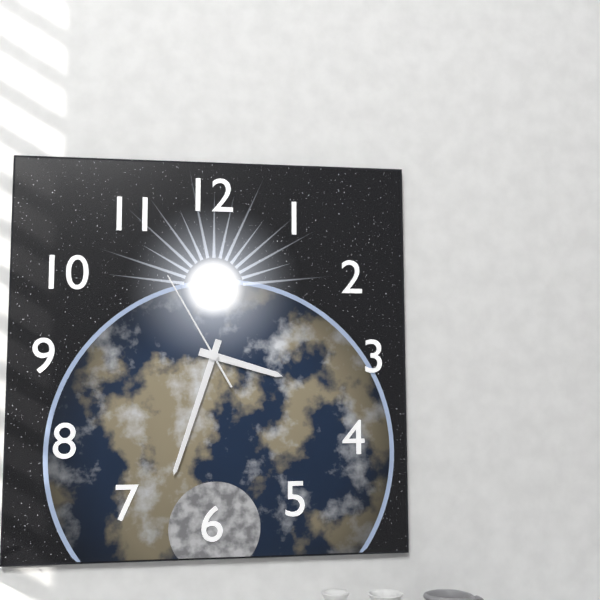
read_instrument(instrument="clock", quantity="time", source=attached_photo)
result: 3:33:55
